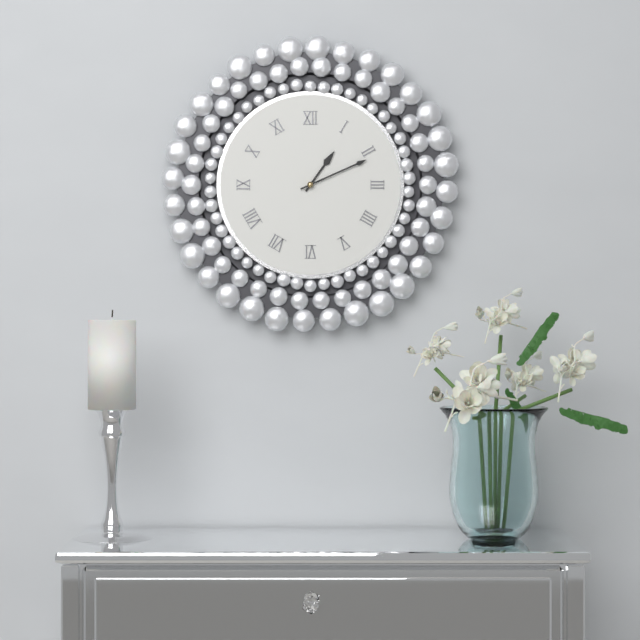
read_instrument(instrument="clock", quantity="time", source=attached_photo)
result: 1:11
